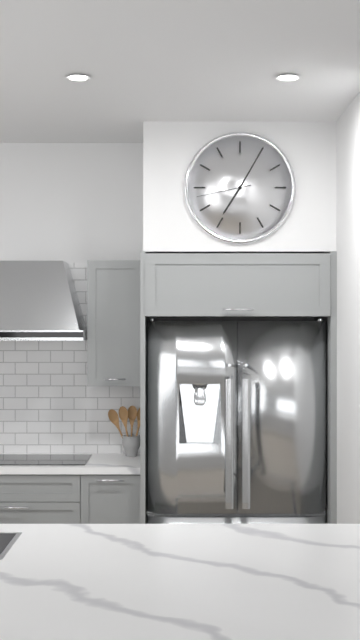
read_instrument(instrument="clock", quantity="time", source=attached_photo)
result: 7:05:43
